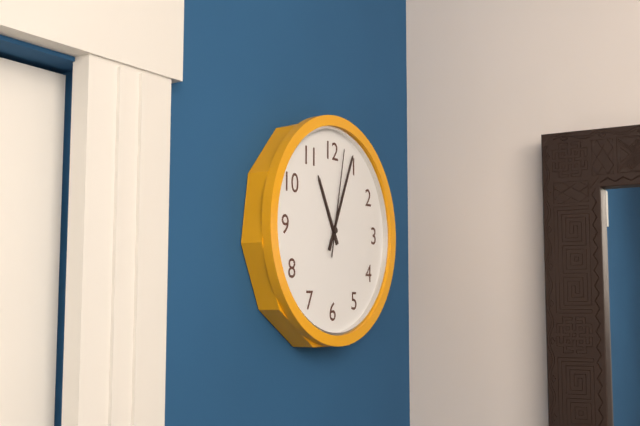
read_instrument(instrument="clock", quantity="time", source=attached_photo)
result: 11:04:02
